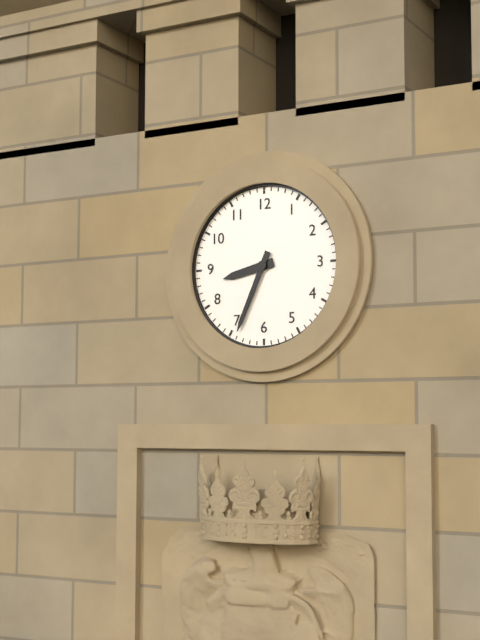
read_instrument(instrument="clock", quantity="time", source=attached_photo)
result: 8:34
